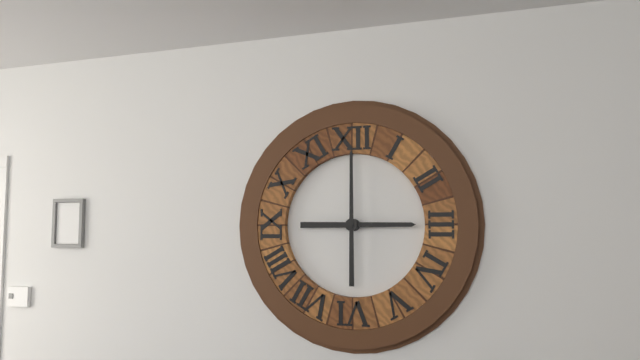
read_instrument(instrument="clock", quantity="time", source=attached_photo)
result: 3:00
